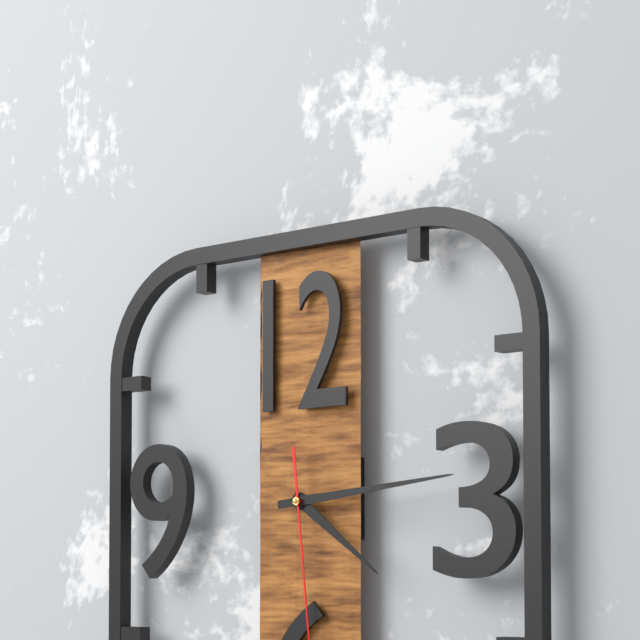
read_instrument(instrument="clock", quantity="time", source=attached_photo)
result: 4:14
